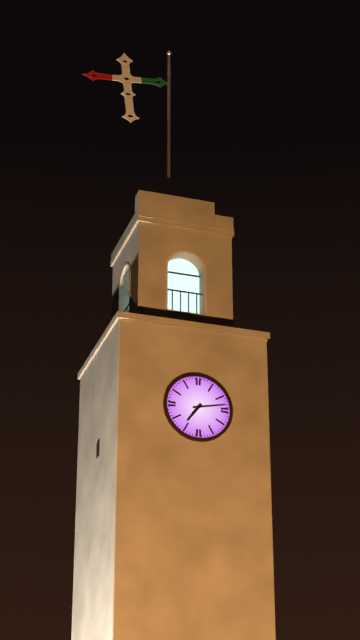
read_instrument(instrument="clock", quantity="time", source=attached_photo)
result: 7:13
